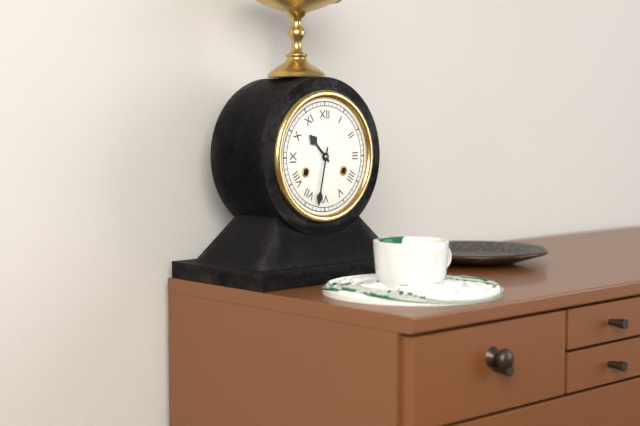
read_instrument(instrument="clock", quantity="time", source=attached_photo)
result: 10:32
